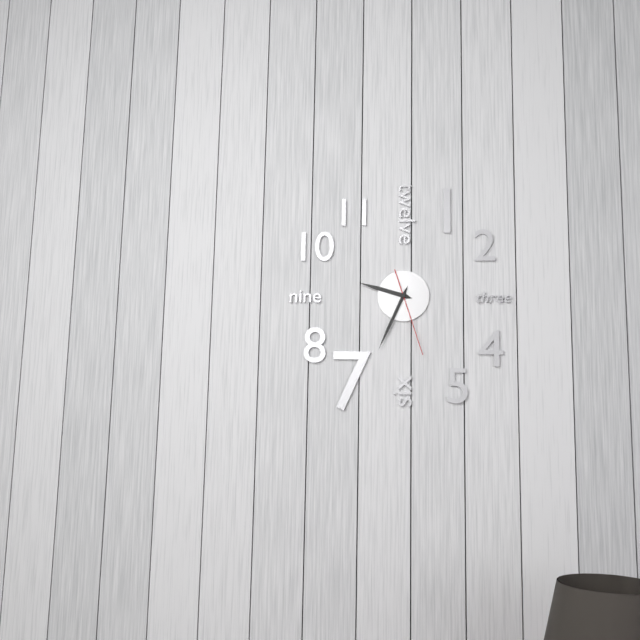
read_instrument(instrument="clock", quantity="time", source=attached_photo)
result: 9:34:27
